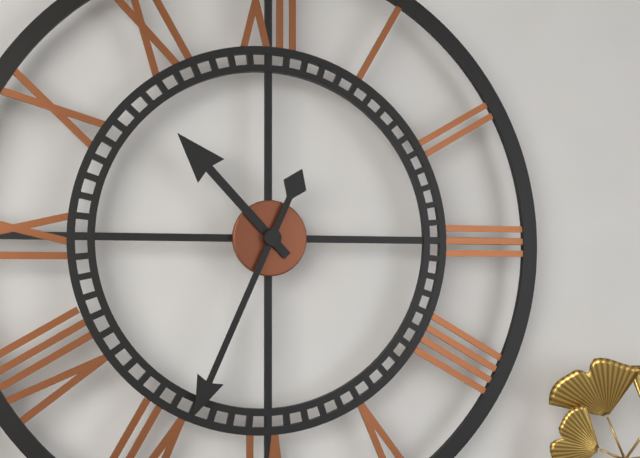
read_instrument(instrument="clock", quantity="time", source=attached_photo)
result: 10:34
